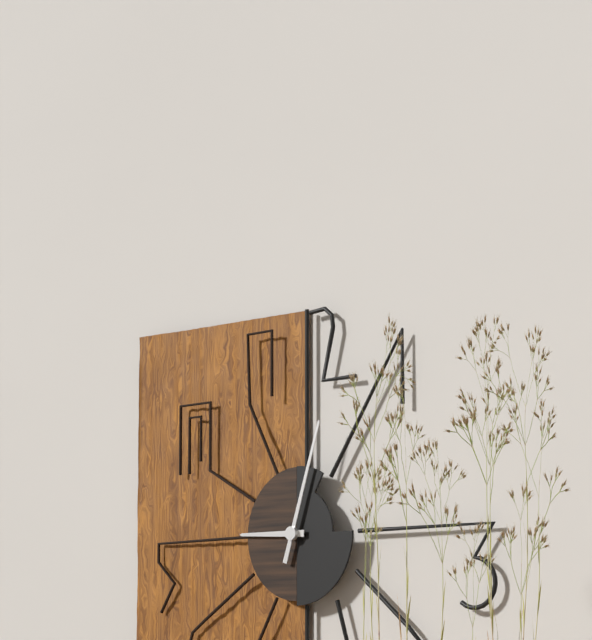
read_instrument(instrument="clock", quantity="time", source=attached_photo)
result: 9:03
